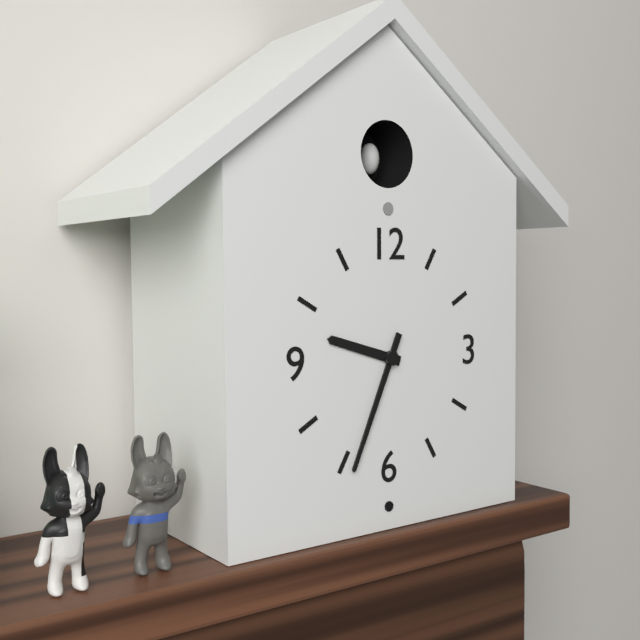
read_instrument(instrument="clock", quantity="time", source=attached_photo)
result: 9:34
